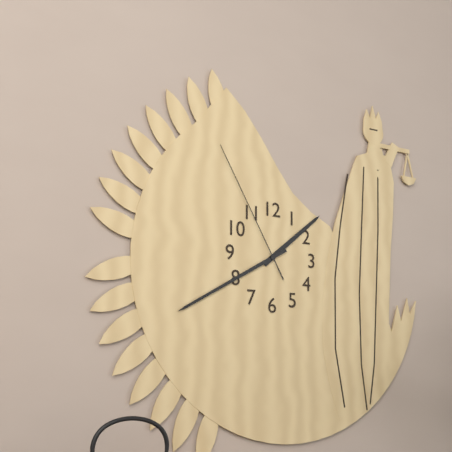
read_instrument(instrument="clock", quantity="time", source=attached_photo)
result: 1:40:55
